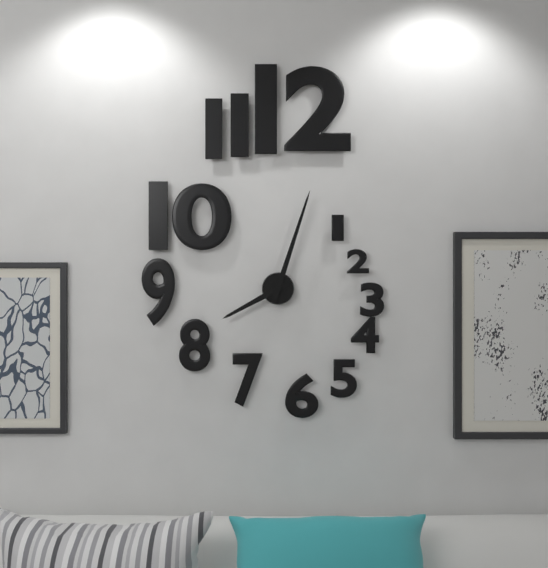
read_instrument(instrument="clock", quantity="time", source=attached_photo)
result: 8:03
